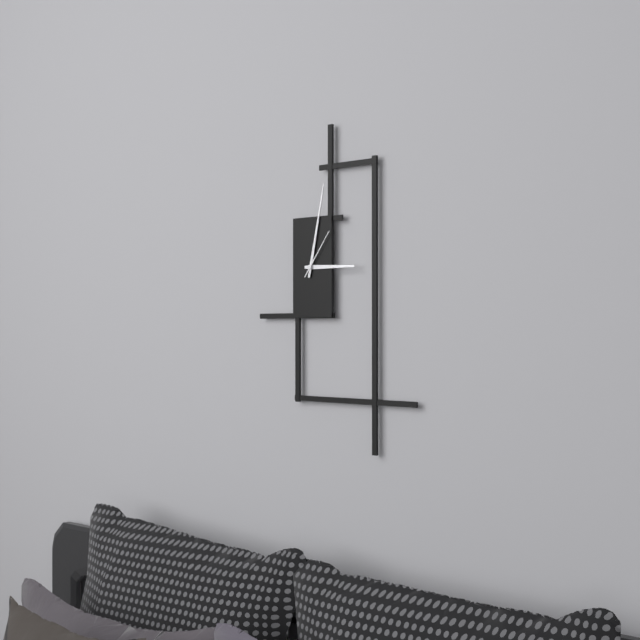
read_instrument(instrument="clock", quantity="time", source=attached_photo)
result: 3:02:06
